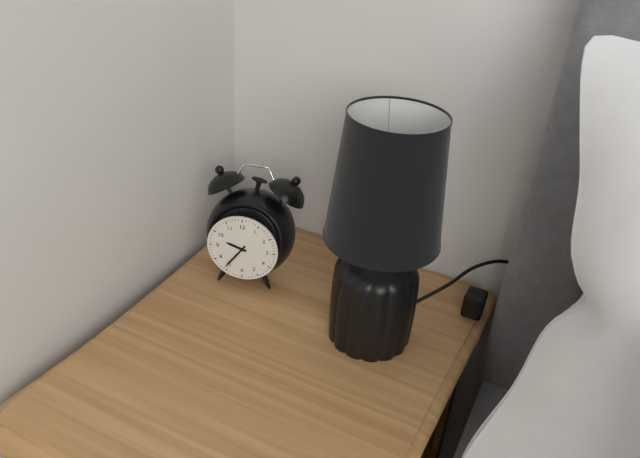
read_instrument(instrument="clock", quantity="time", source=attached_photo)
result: 9:36
